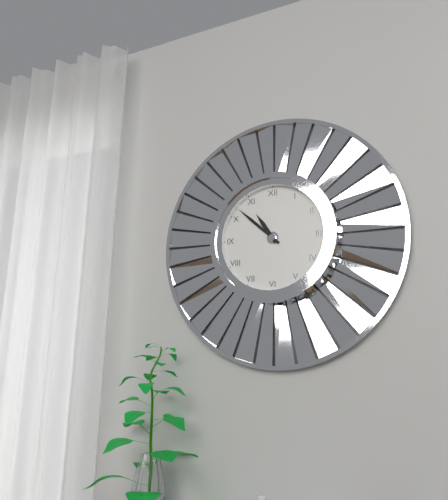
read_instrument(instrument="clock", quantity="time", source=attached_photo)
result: 10:52
